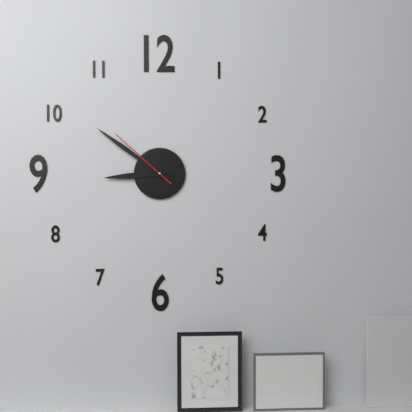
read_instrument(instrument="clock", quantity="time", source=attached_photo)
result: 8:51:52
